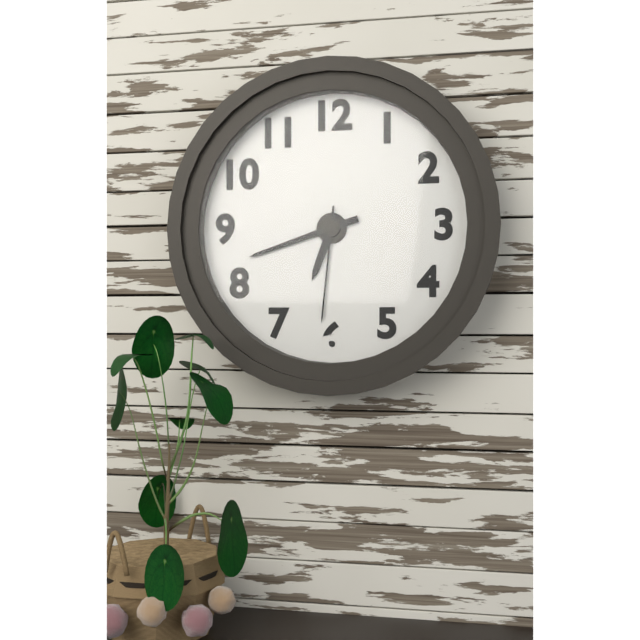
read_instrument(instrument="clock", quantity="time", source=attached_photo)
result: 6:42:31
